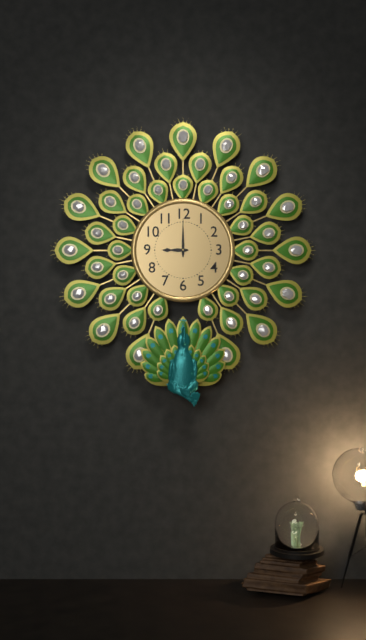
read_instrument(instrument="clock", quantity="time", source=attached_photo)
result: 9:00
